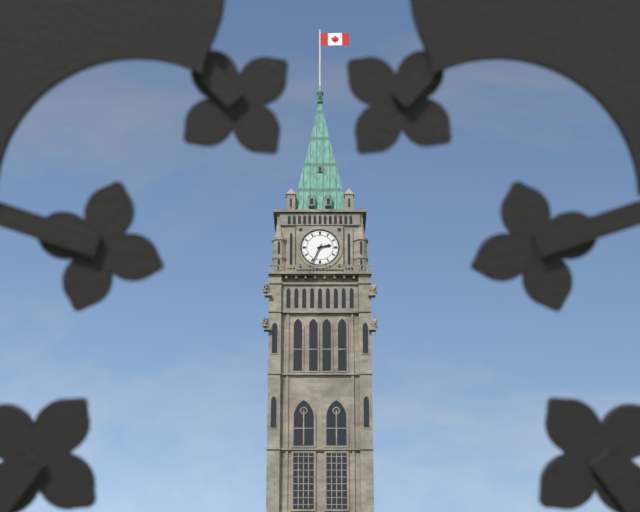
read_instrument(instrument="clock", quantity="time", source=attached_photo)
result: 2:34
